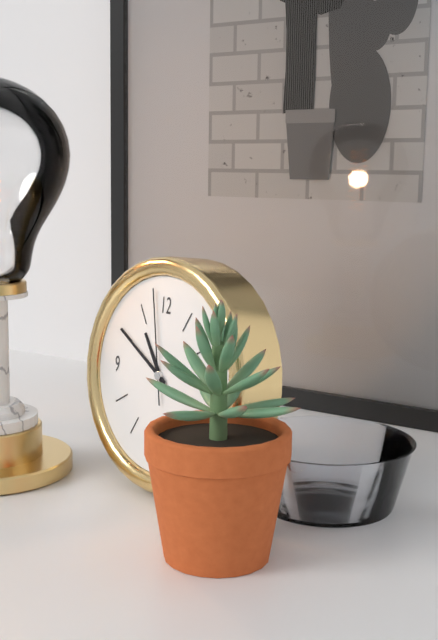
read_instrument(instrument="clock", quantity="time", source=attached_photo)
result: 10:50:58
